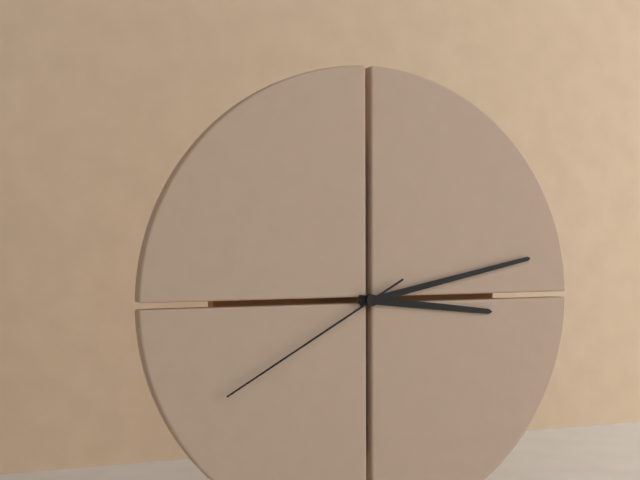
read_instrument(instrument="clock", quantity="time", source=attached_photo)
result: 3:13:40
